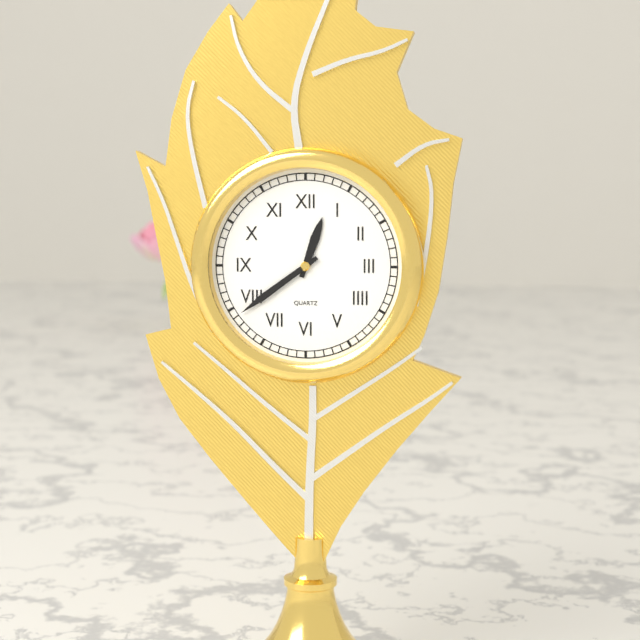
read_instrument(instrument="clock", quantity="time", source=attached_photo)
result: 12:39
